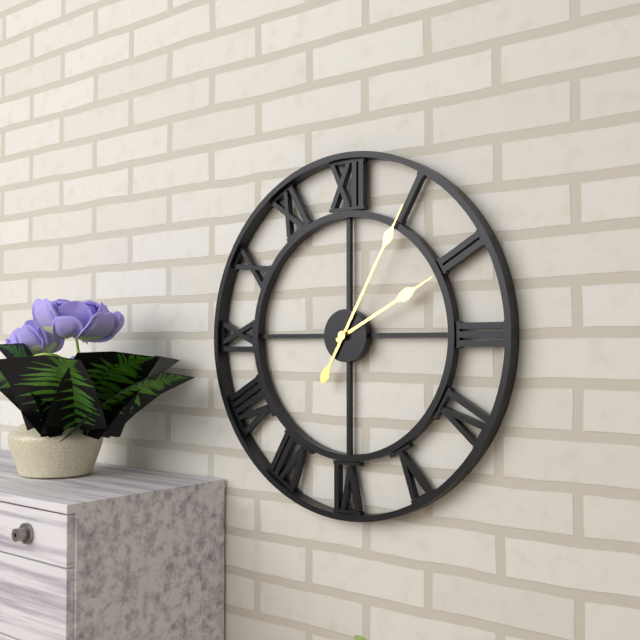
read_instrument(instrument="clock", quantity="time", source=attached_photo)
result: 2:05
